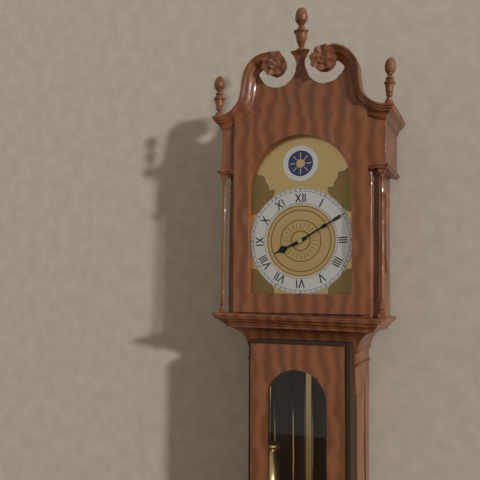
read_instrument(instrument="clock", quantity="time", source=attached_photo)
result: 8:10
